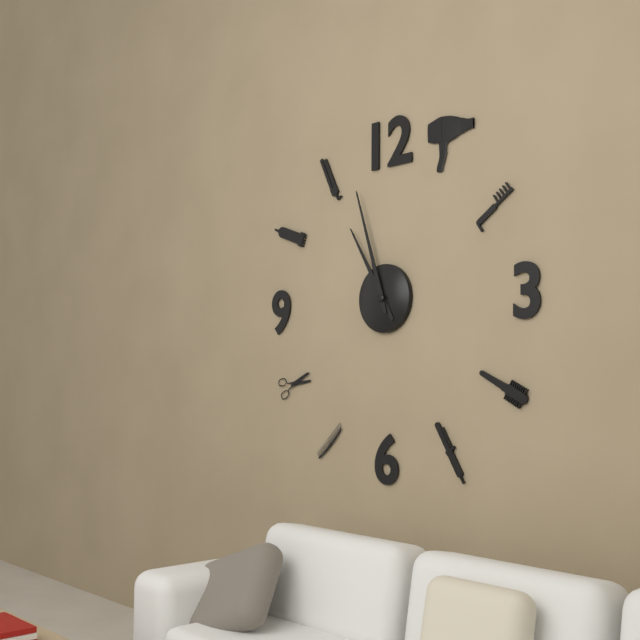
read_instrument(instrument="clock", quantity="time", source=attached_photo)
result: 10:57
